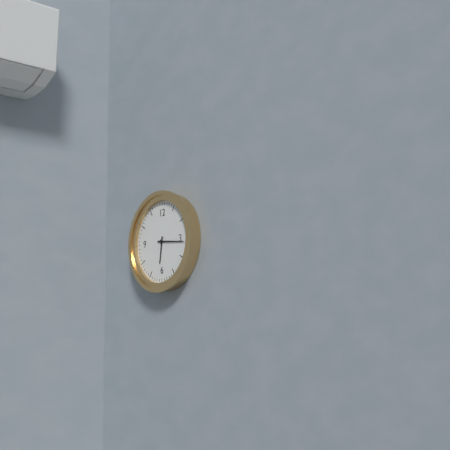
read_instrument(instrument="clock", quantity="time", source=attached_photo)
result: 6:16
